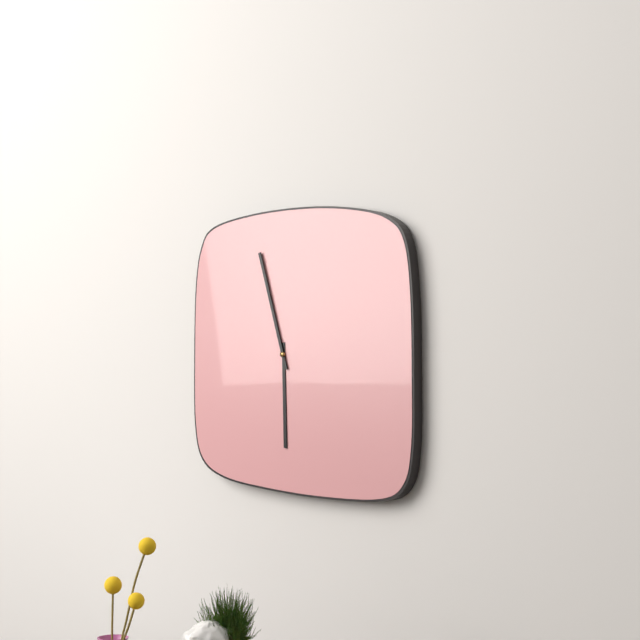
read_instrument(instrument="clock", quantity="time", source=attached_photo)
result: 5:57
